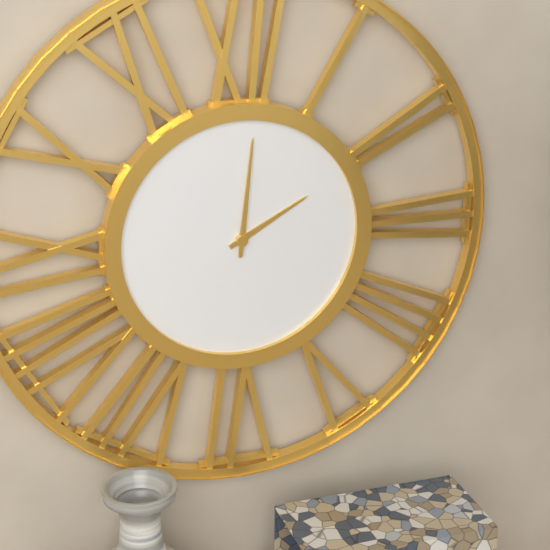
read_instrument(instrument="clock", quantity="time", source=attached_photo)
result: 2:01
